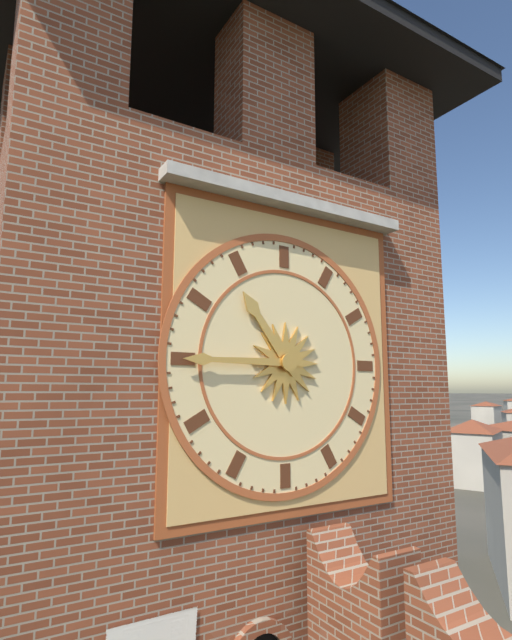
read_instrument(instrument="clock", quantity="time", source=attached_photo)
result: 10:45
